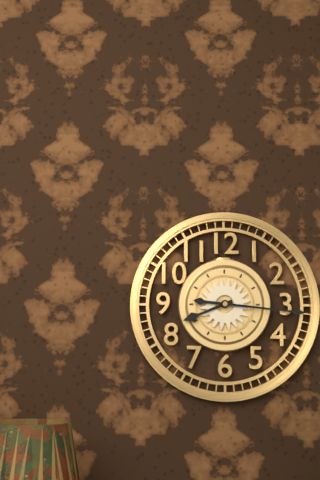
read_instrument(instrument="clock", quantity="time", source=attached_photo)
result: 8:16
